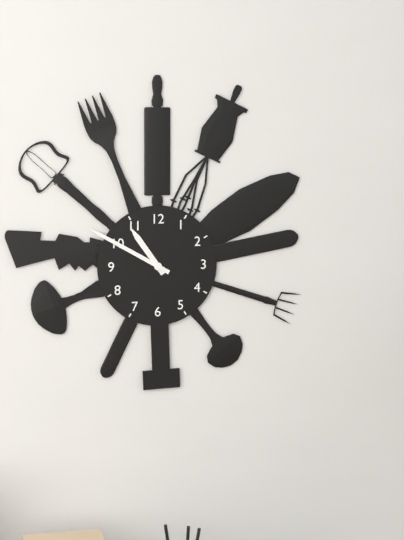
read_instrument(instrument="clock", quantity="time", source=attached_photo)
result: 10:50
